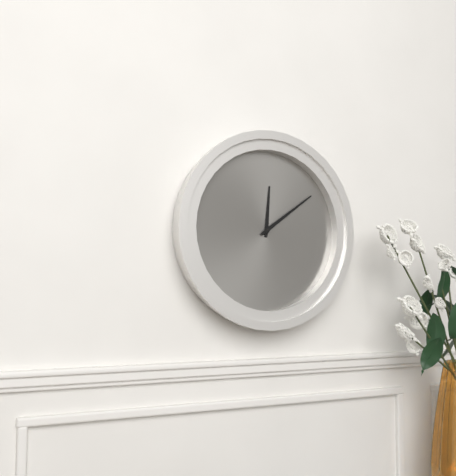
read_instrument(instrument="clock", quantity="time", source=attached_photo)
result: 12:09
